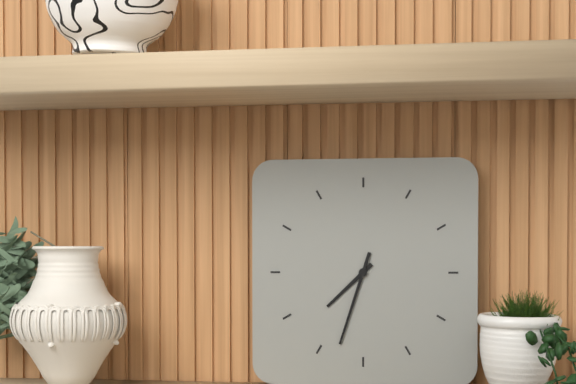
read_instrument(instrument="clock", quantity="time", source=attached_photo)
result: 7:33
